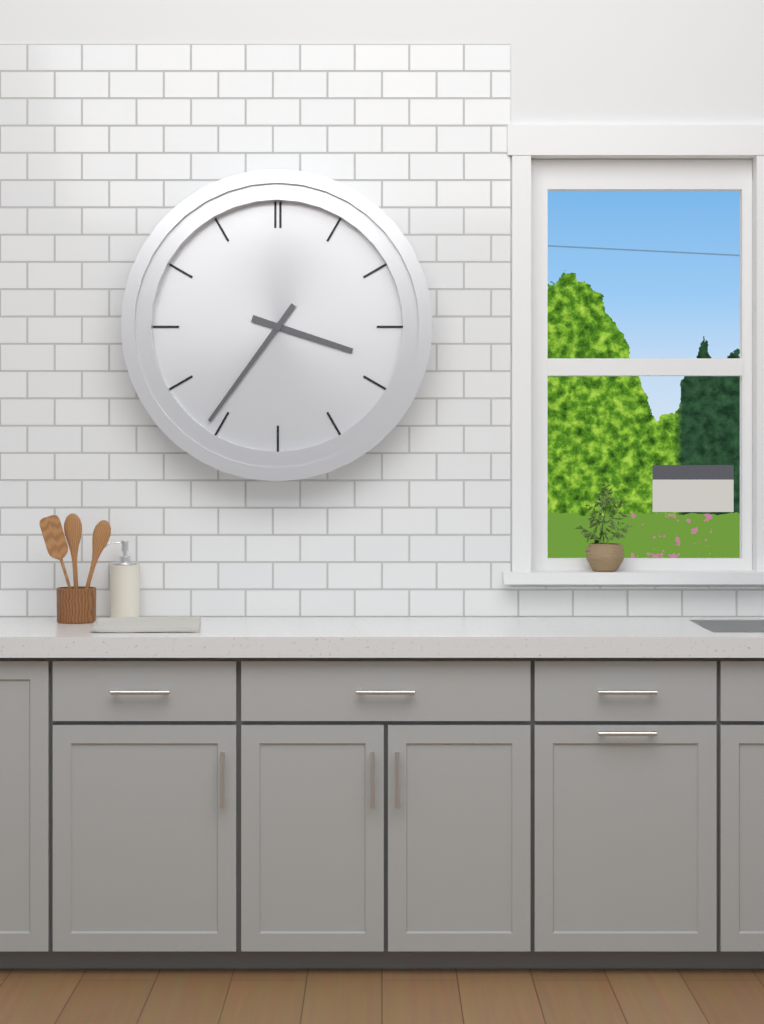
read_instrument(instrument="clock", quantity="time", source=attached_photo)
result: 3:36
